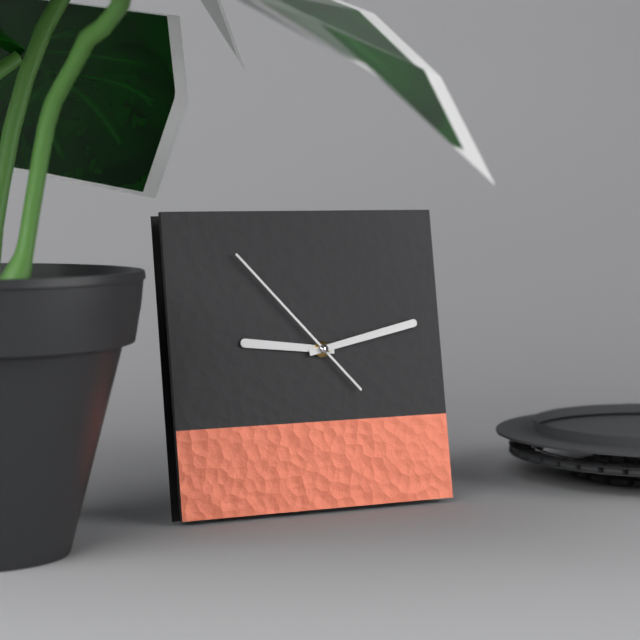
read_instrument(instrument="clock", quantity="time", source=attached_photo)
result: 9:13:53
